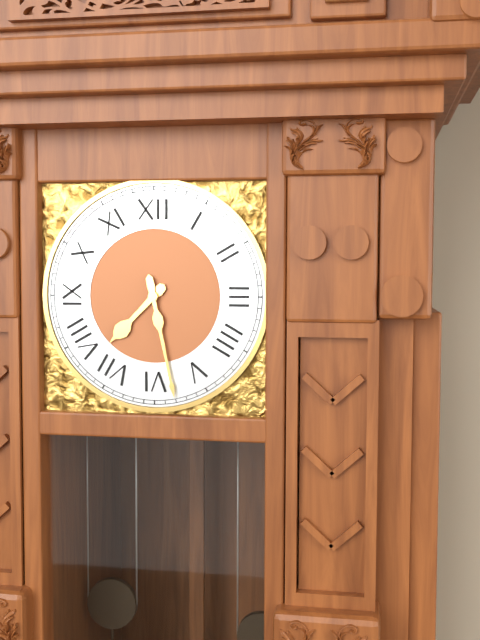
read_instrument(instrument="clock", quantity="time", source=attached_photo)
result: 7:28
